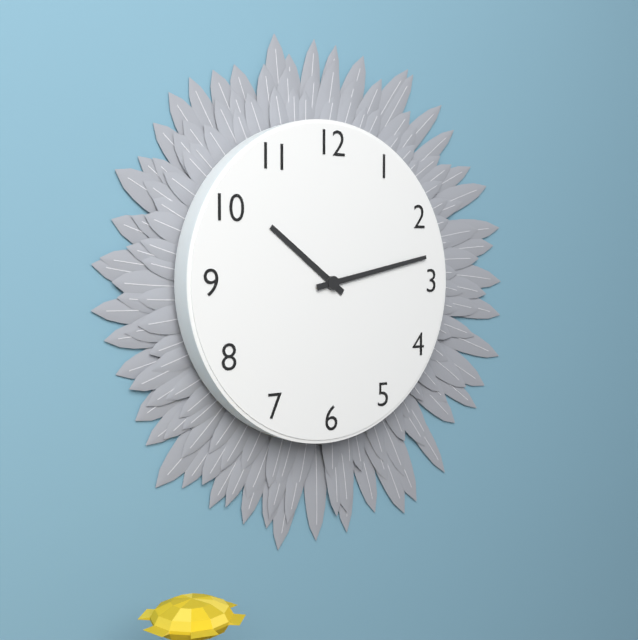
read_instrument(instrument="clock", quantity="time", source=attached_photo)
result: 10:13
